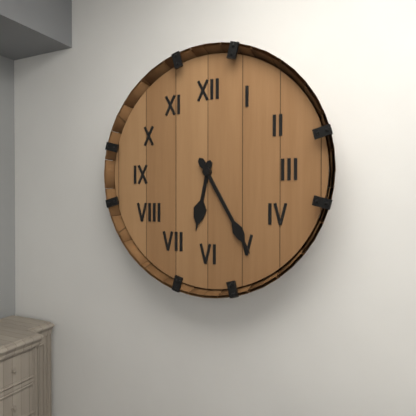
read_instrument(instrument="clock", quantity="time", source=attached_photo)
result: 6:25
